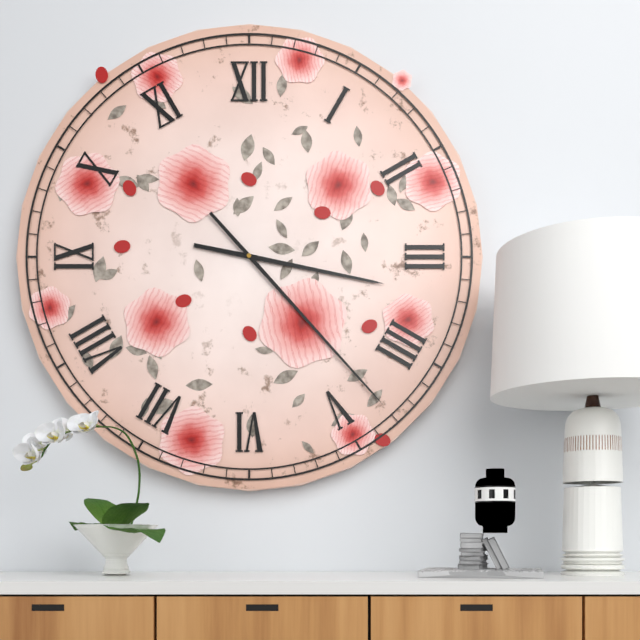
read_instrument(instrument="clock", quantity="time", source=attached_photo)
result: 3:23
